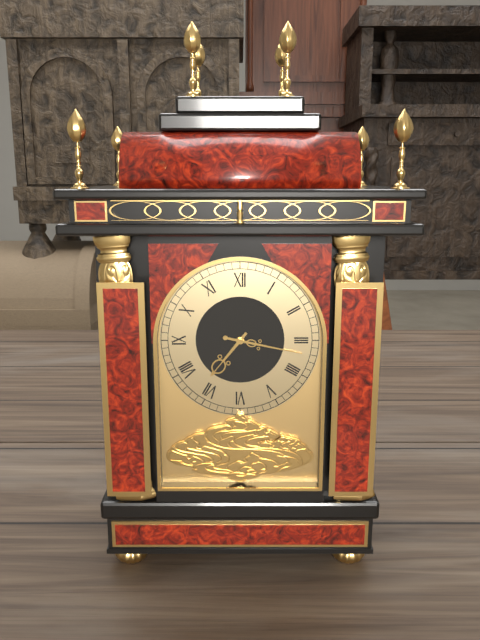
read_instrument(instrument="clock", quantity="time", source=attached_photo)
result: 7:17
